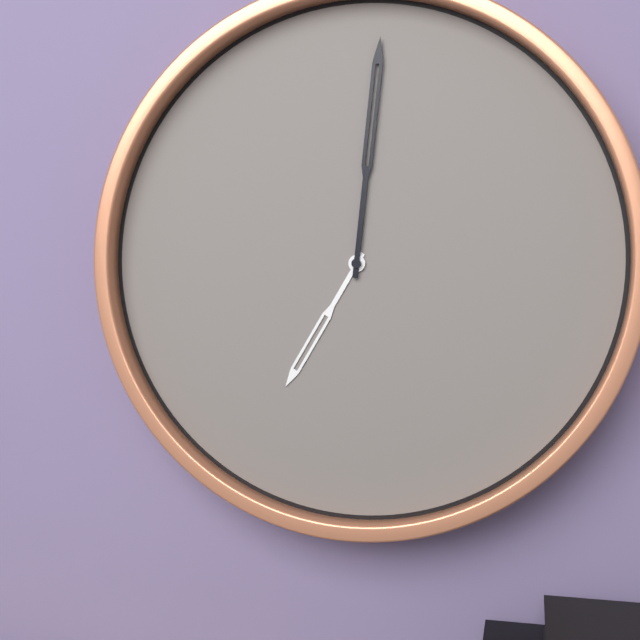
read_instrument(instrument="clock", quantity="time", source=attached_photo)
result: 7:01
